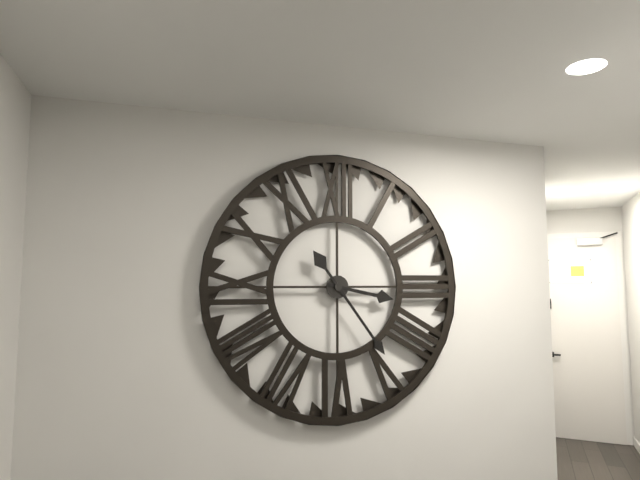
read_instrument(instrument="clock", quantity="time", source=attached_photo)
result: 3:24
